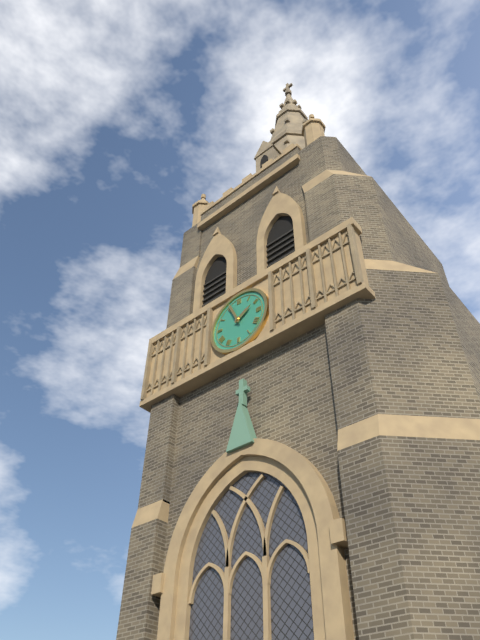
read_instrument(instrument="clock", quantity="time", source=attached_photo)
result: 1:56
